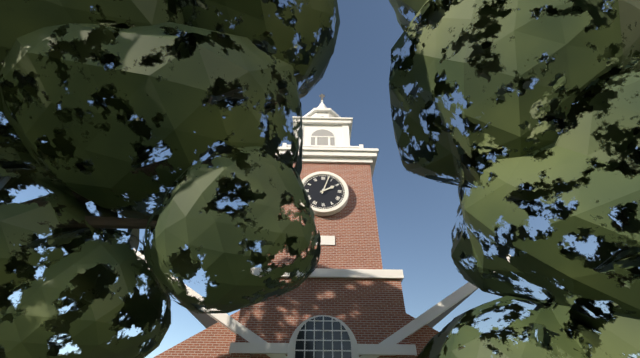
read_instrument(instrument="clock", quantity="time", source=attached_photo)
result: 2:03
